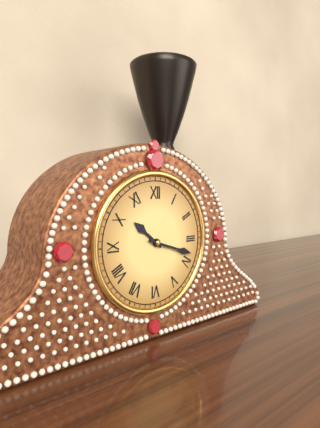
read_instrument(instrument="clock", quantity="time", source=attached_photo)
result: 10:18
